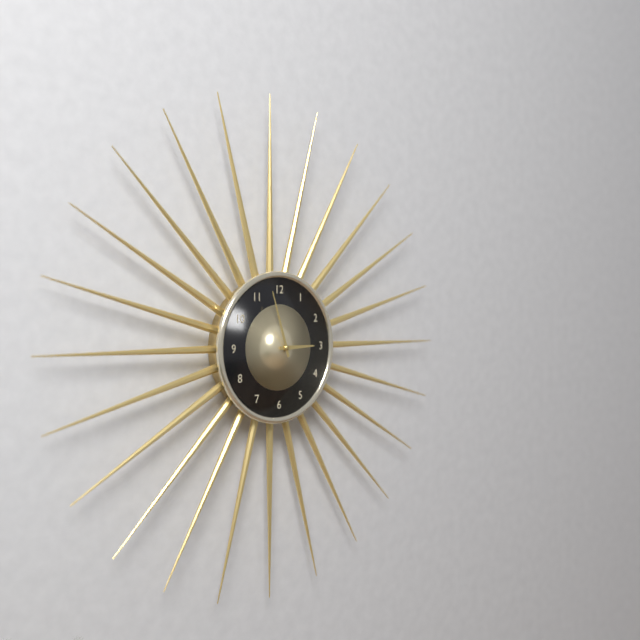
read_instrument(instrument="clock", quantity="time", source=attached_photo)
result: 2:57
